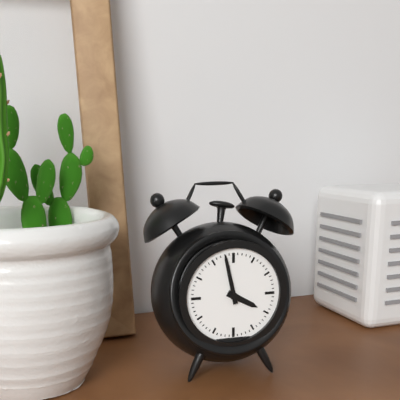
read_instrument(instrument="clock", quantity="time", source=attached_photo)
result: 3:58
